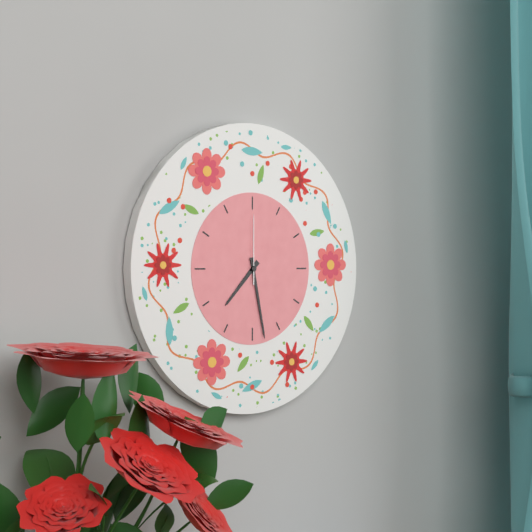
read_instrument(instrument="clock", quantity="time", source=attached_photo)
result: 7:28:00
